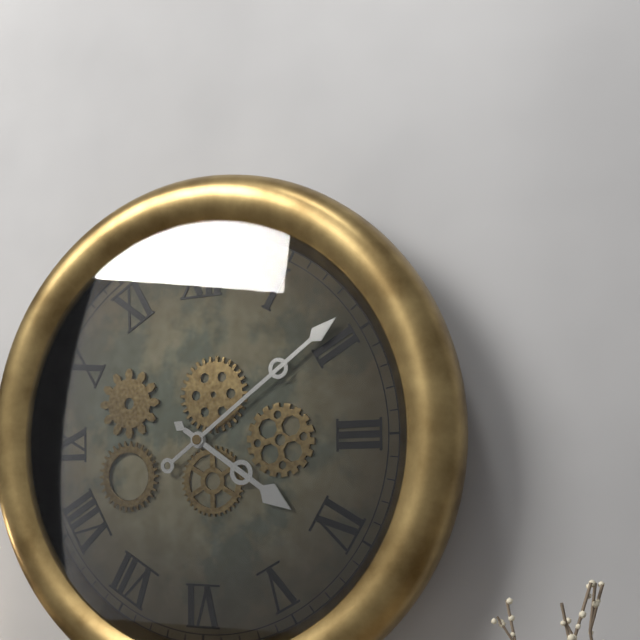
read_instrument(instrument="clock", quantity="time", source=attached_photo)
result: 4:09
